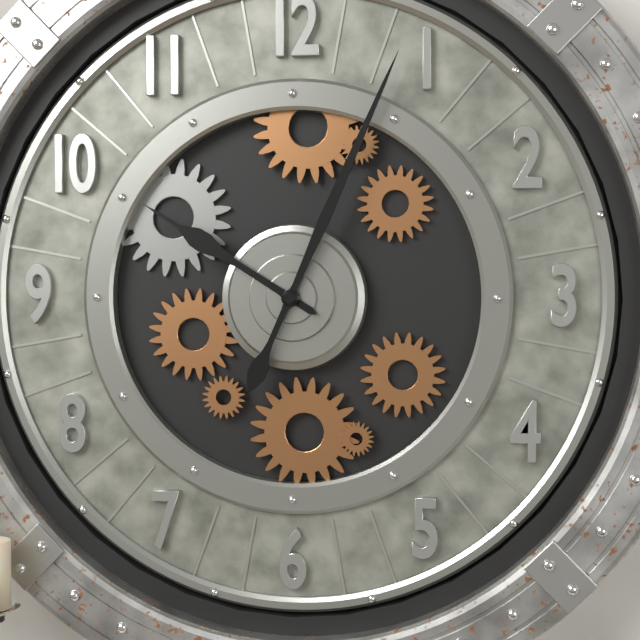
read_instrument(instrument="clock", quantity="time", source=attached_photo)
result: 10:04
